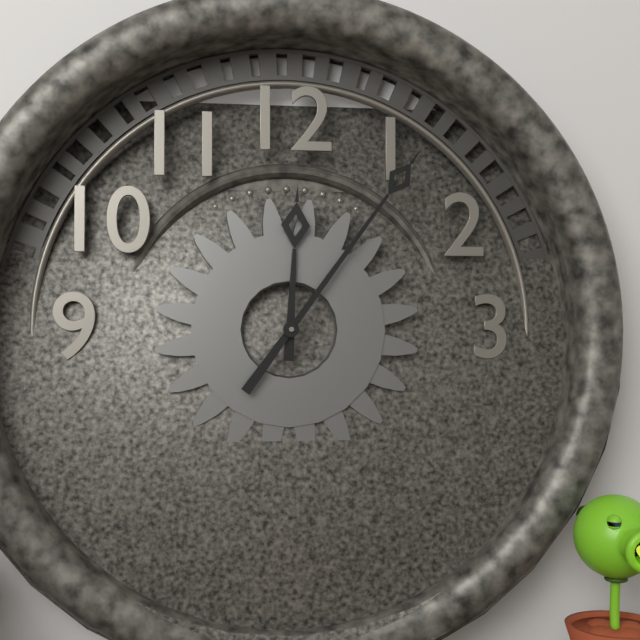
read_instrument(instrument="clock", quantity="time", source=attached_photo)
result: 12:06
